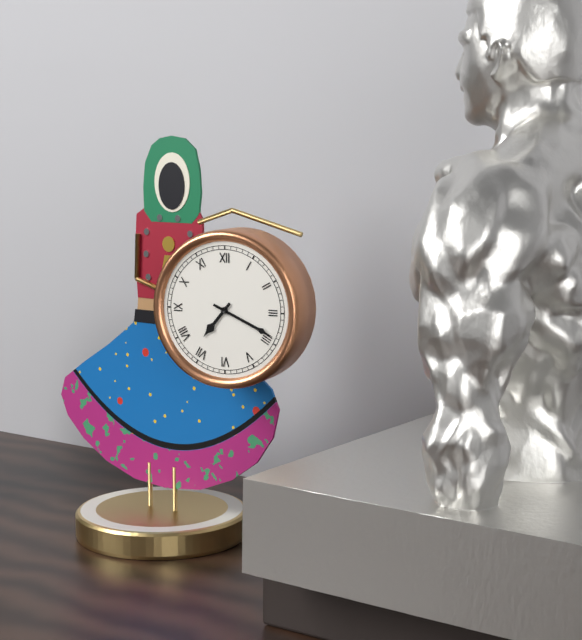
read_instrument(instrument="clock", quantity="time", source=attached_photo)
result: 7:19
